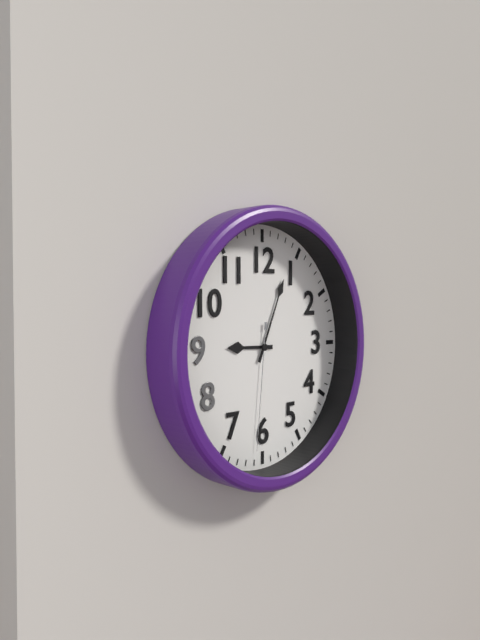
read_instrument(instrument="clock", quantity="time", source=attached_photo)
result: 9:04:31
